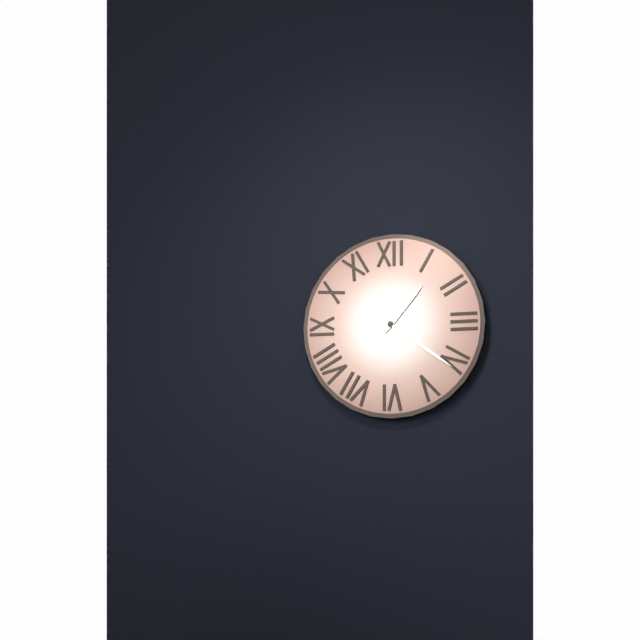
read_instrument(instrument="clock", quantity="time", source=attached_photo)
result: 1:21
